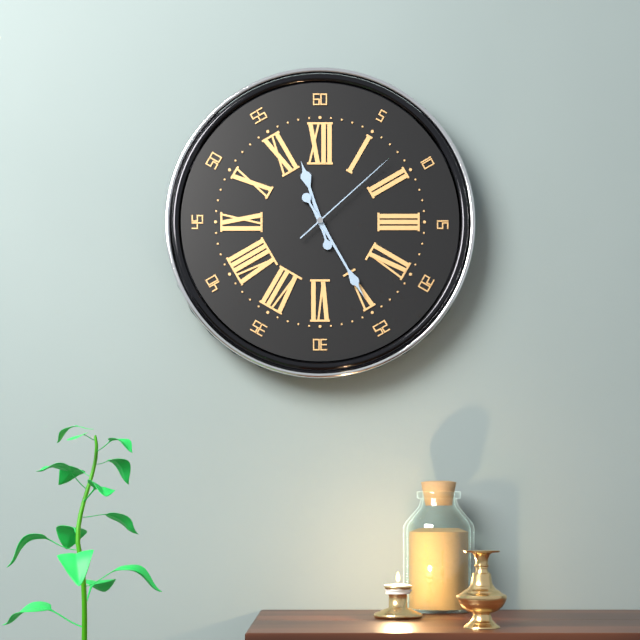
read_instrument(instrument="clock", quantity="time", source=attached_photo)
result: 11:25:08
